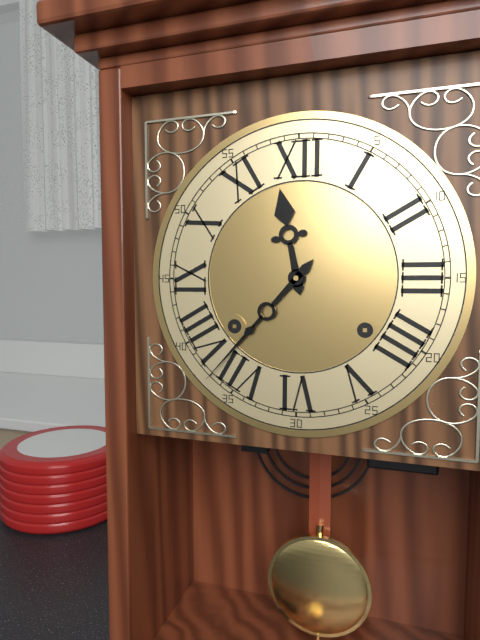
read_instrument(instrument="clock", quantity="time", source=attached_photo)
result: 11:37
